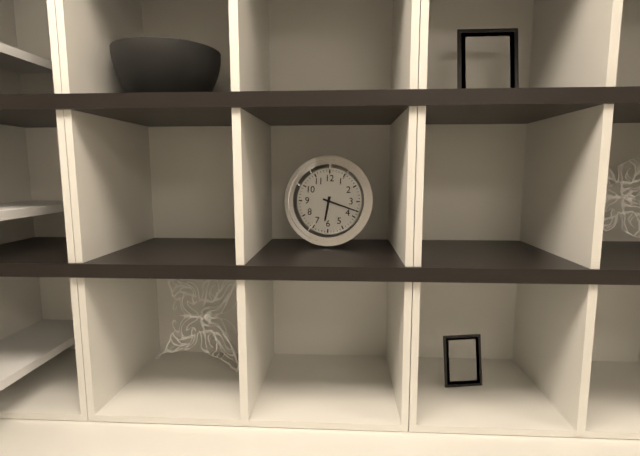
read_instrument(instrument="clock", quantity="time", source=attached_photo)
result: 6:18
